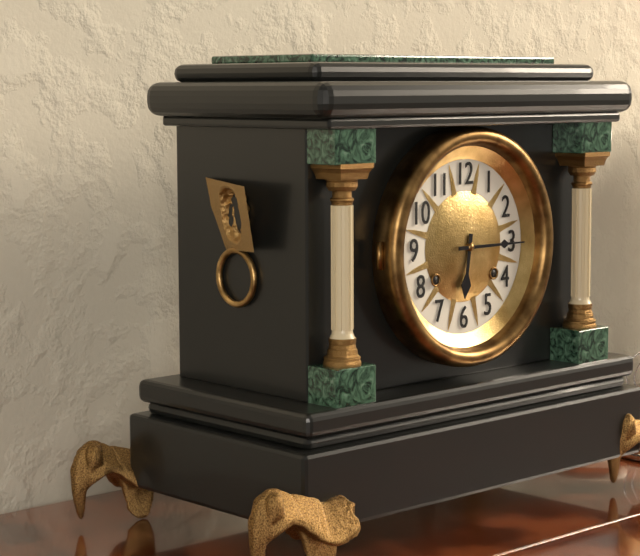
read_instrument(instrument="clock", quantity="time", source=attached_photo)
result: 6:15
